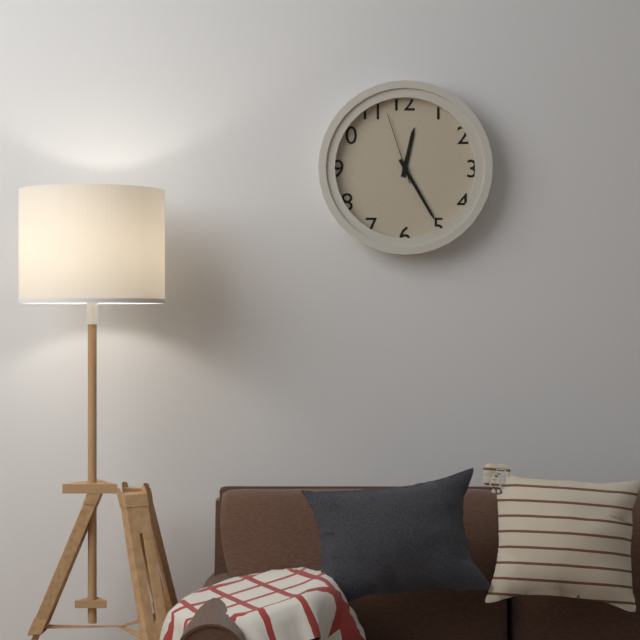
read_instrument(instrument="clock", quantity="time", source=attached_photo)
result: 12:25:57
